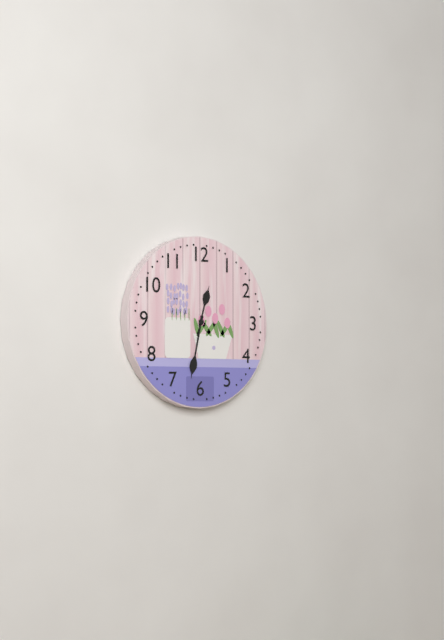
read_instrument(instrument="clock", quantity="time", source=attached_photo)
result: 12:32
